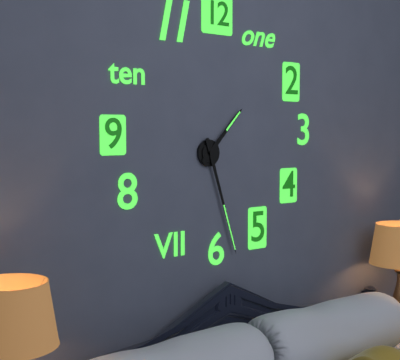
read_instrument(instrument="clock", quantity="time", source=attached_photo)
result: 1:27
